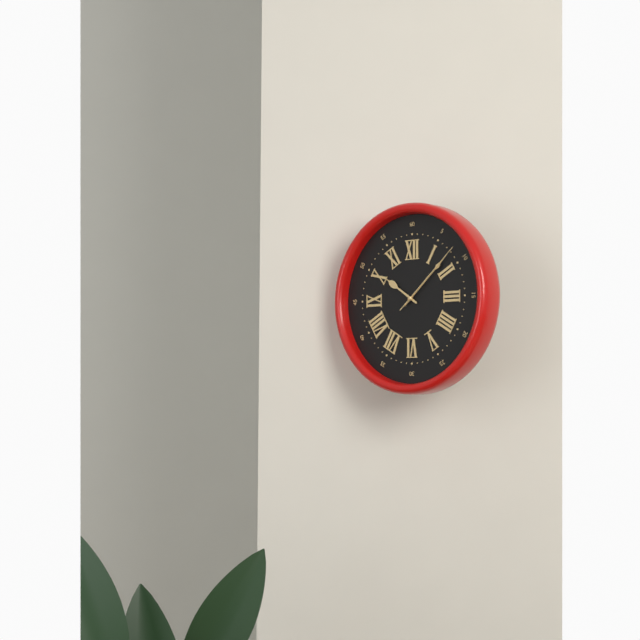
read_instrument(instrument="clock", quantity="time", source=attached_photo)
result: 10:08:08
